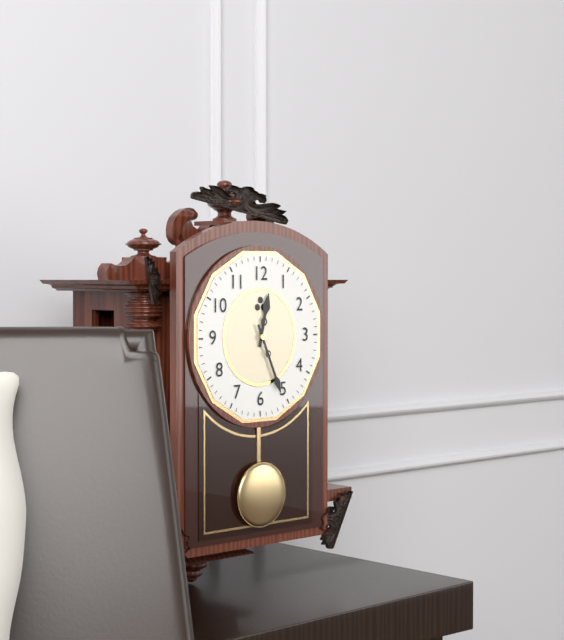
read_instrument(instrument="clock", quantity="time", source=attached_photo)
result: 12:26
